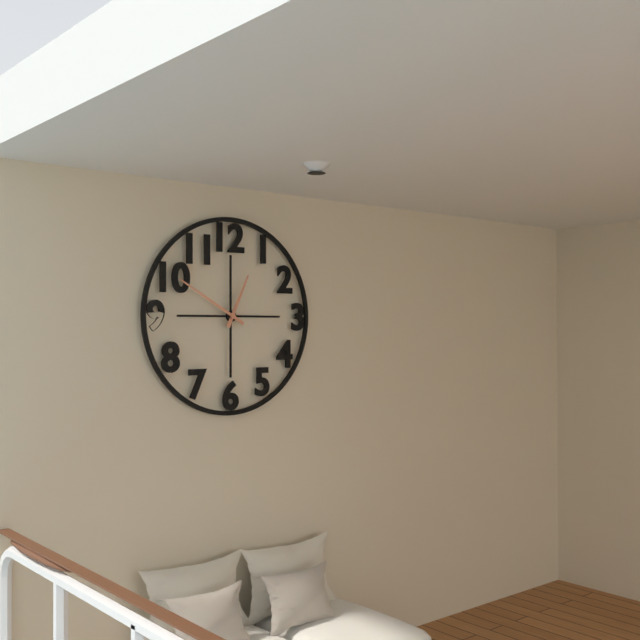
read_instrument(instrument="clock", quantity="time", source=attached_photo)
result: 12:50
